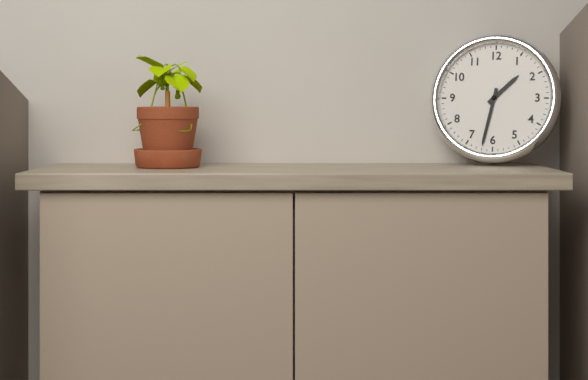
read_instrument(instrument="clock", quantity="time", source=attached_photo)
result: 1:32
